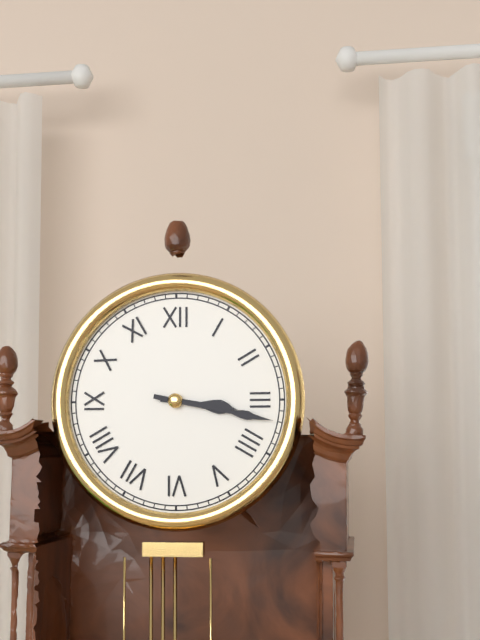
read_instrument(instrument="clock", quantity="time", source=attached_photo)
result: 3:17
